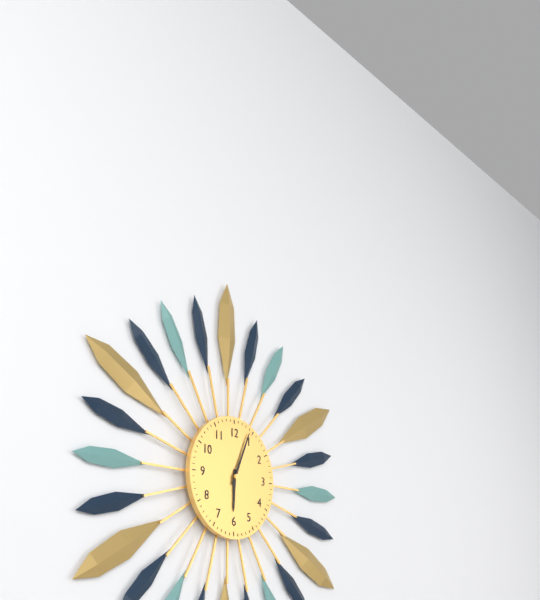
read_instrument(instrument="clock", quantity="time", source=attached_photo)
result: 6:04
